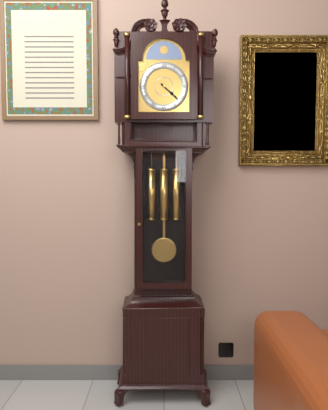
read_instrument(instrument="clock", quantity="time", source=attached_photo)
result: 4:22
